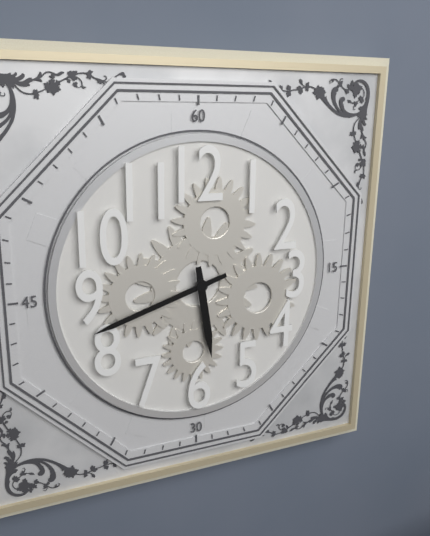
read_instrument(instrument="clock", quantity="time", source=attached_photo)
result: 5:42
